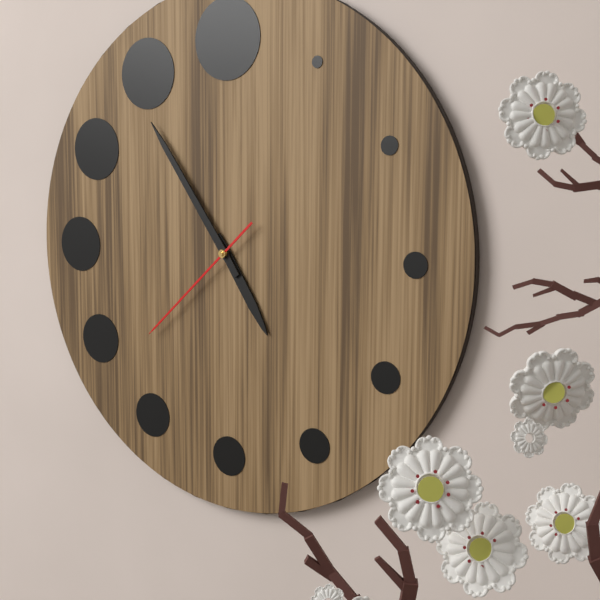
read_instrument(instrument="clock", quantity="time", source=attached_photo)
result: 4:54:38
